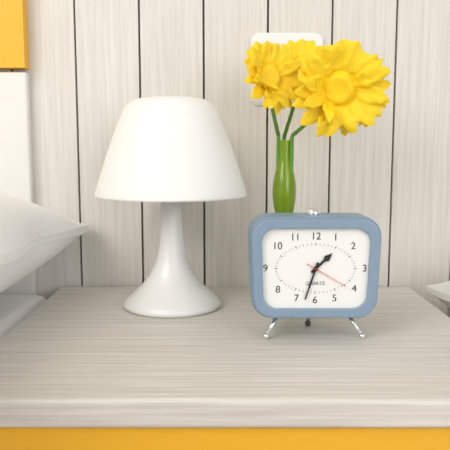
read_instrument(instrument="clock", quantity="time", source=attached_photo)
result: 1:33
